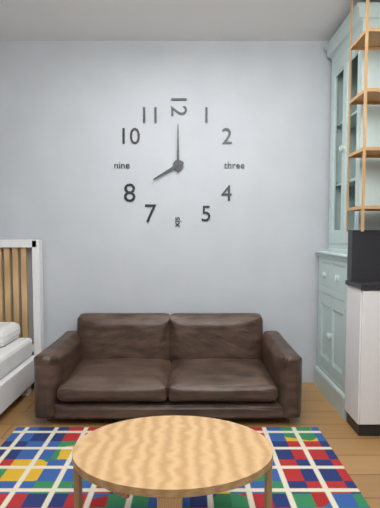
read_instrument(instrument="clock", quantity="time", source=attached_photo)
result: 8:00
